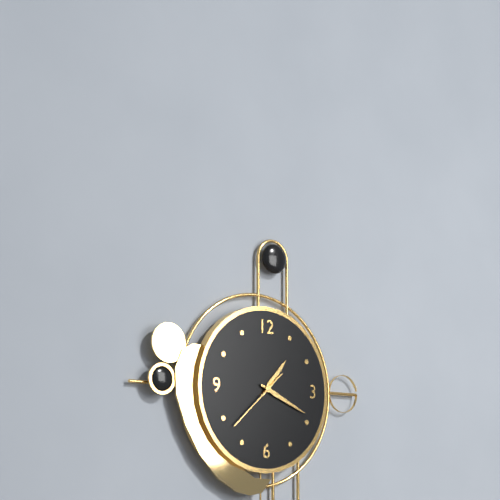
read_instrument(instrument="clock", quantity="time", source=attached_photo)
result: 1:19:38
